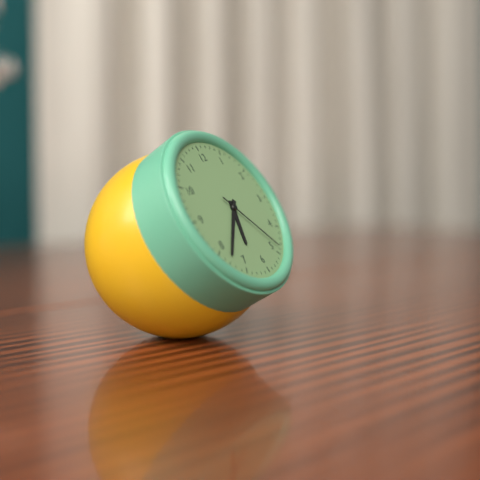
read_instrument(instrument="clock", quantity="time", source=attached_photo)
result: 6:38:24
